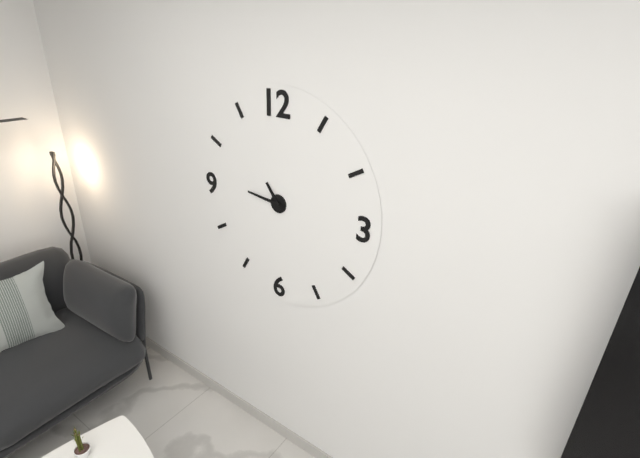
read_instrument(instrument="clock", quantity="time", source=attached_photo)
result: 10:46
